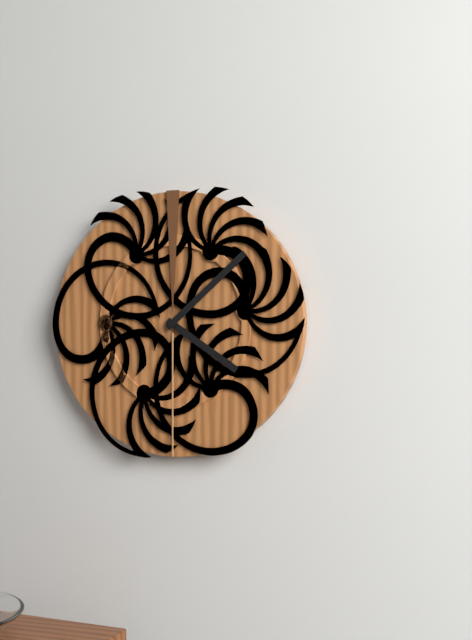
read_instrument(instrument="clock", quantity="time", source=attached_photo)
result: 4:08
